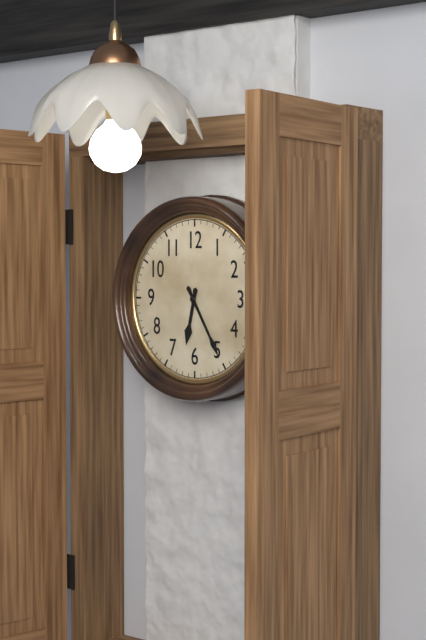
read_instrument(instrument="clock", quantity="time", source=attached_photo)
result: 6:25
